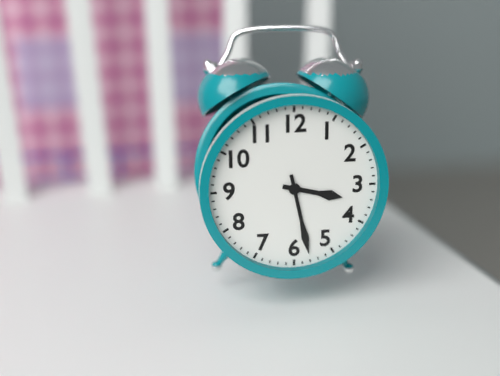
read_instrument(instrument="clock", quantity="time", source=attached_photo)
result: 3:28
